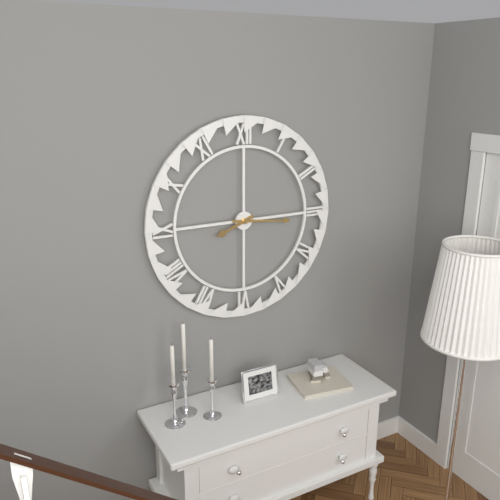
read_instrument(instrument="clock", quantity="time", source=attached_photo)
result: 8:16
